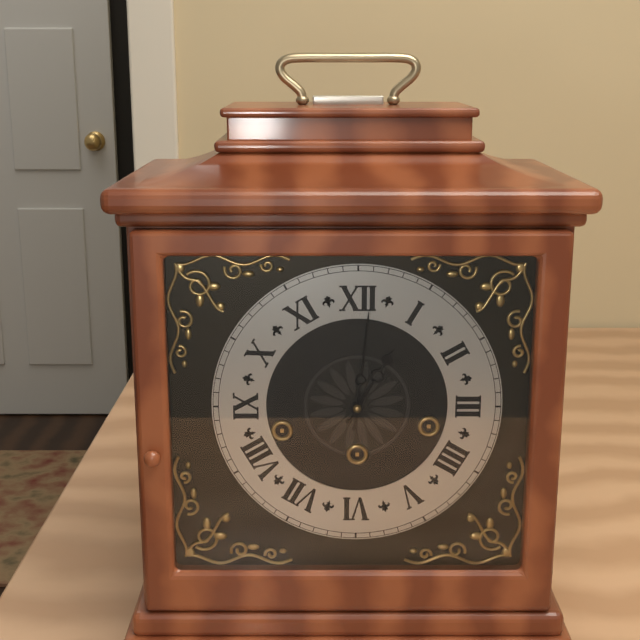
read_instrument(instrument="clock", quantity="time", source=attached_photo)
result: 1:01
